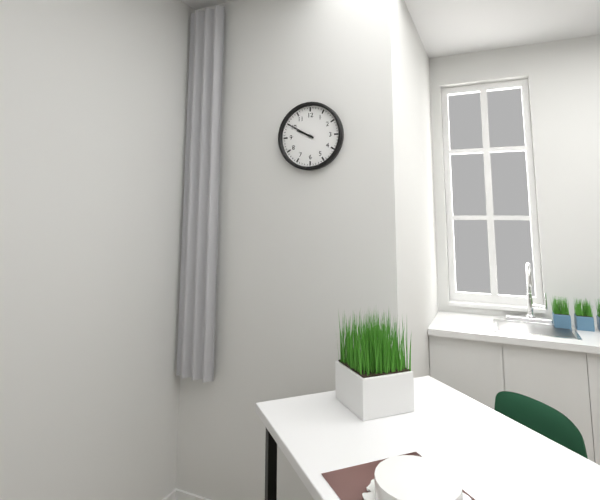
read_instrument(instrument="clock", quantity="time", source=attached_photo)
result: 9:50
